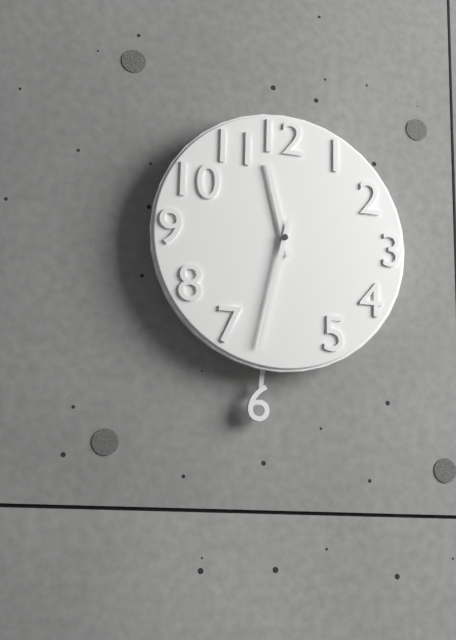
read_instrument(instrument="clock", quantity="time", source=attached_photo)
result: 11:32
